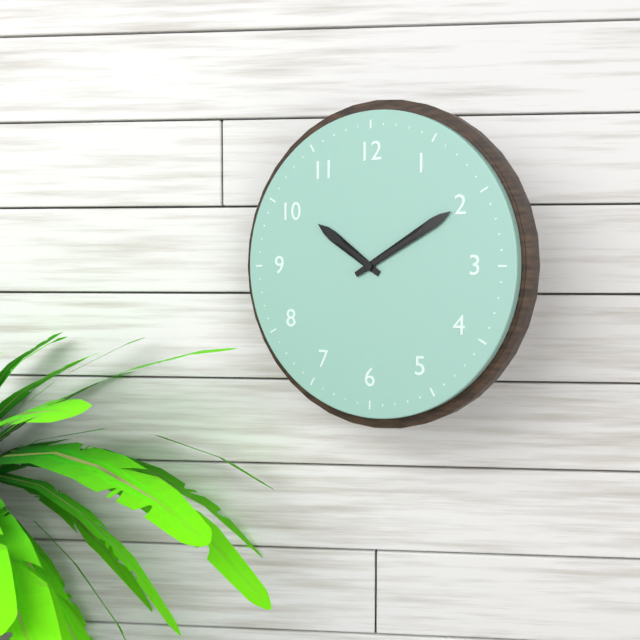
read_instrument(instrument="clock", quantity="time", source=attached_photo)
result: 10:10
